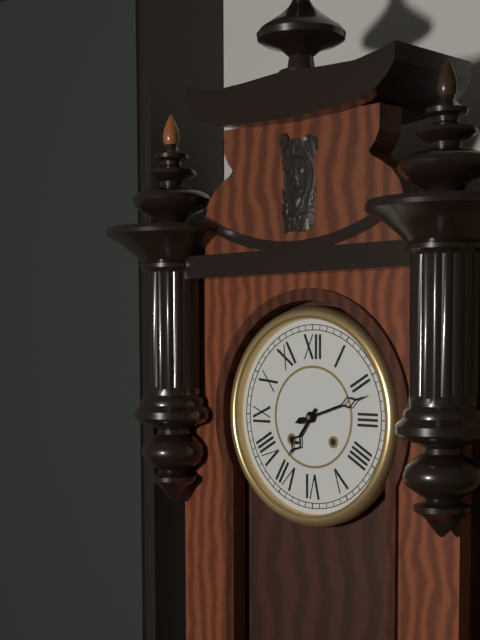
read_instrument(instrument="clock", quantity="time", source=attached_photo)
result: 7:12
